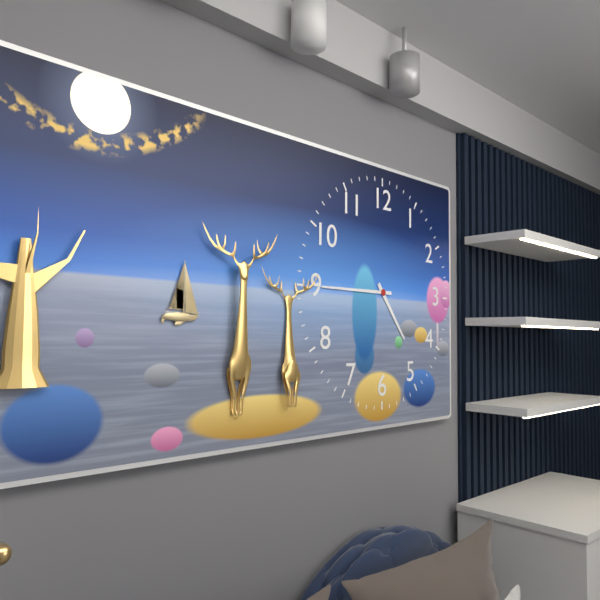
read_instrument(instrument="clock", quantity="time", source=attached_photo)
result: 4:45
